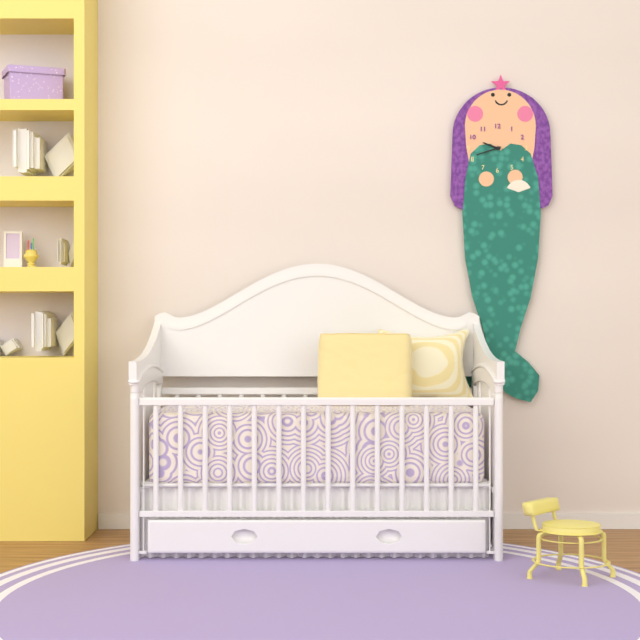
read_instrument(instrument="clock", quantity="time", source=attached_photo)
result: 9:42
